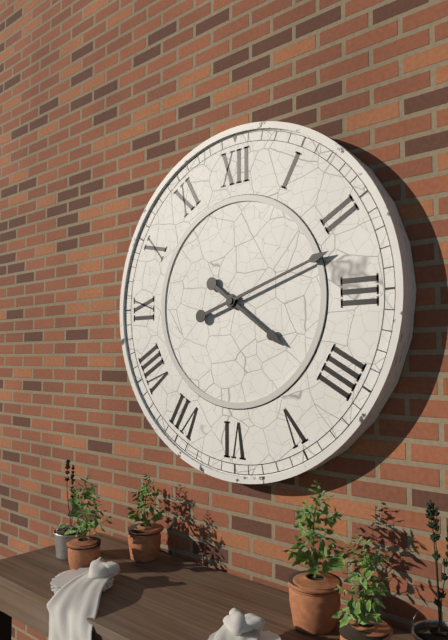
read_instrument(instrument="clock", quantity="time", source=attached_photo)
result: 4:12
